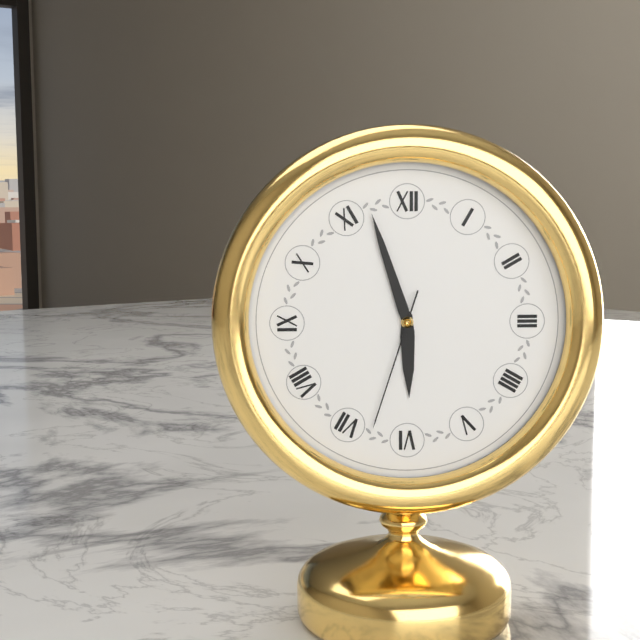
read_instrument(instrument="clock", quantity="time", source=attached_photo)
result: 5:57:33
